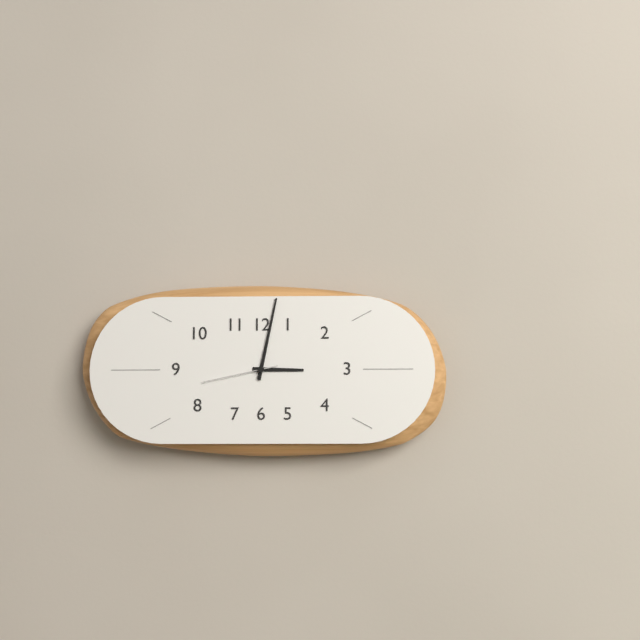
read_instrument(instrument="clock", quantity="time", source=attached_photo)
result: 3:02:43
